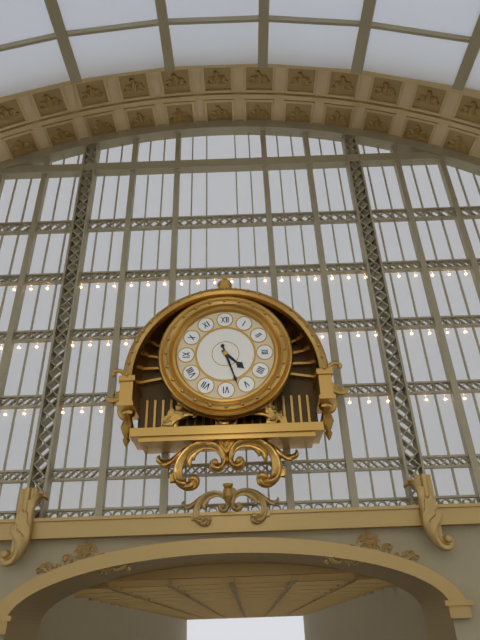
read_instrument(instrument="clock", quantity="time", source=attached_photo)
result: 4:27
